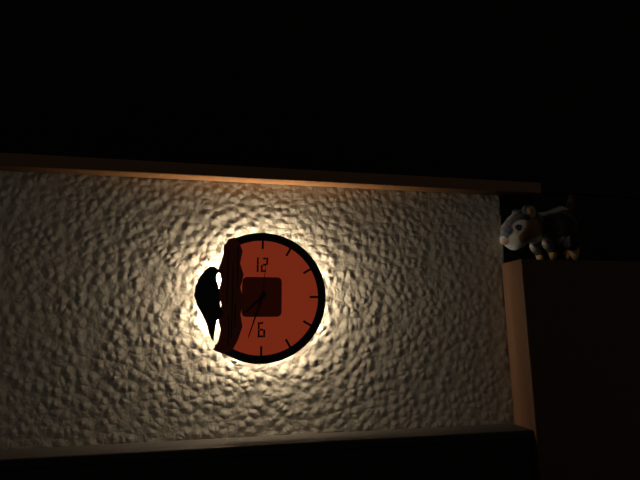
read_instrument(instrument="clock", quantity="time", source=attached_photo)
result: 7:33
